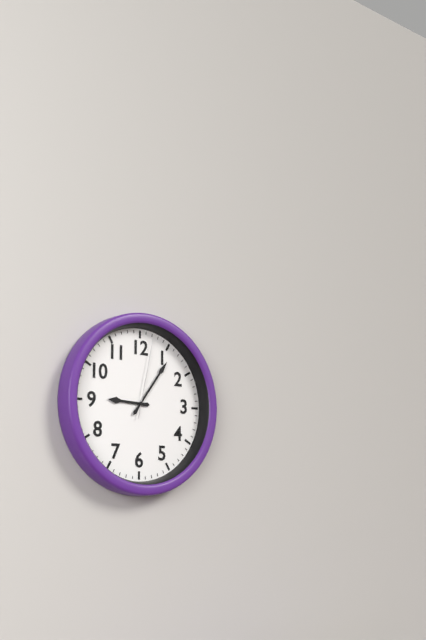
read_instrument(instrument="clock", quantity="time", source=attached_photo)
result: 9:06:02
